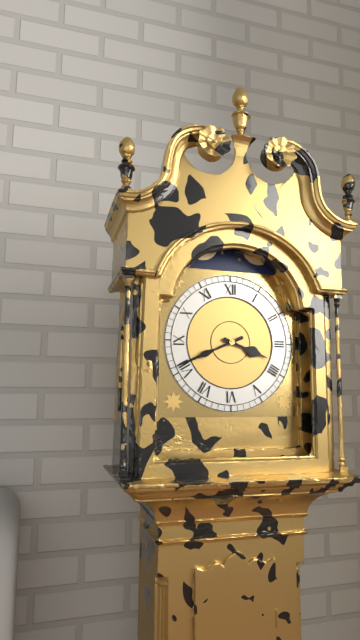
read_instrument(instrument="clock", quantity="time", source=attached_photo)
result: 3:41
